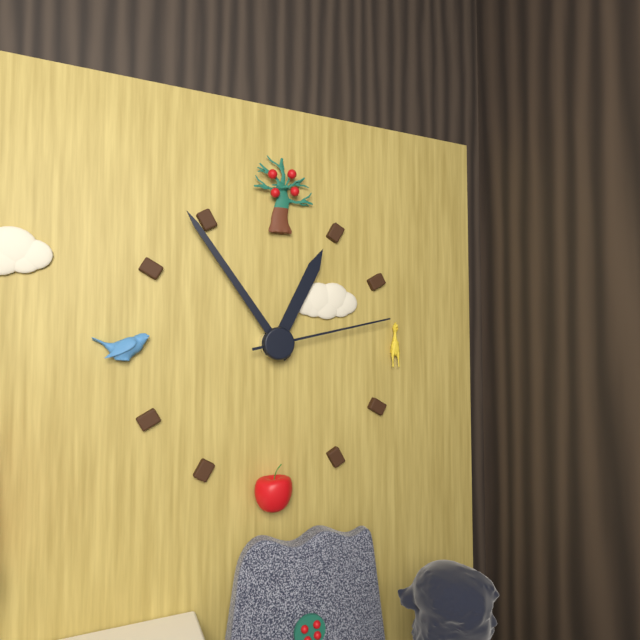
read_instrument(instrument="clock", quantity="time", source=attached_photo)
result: 12:54:13
